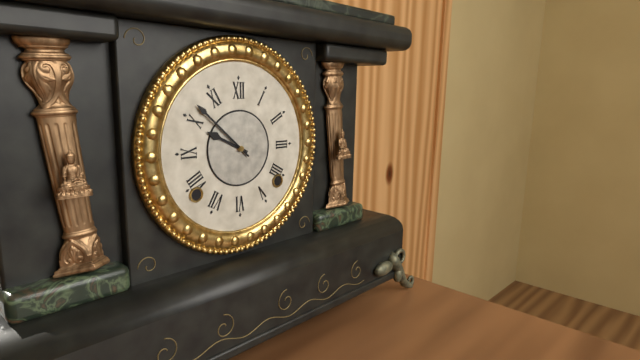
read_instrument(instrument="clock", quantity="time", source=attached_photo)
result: 9:52
